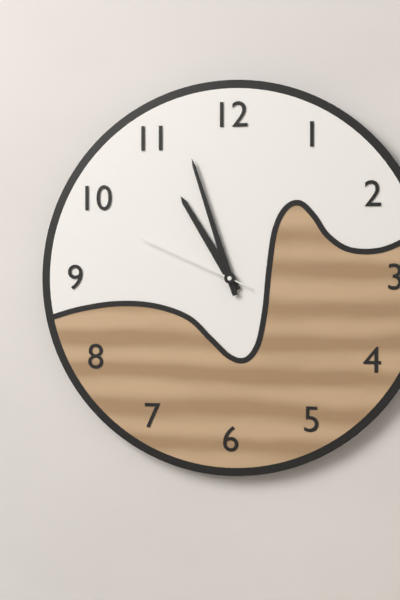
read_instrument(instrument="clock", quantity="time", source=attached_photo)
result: 10:57:49
